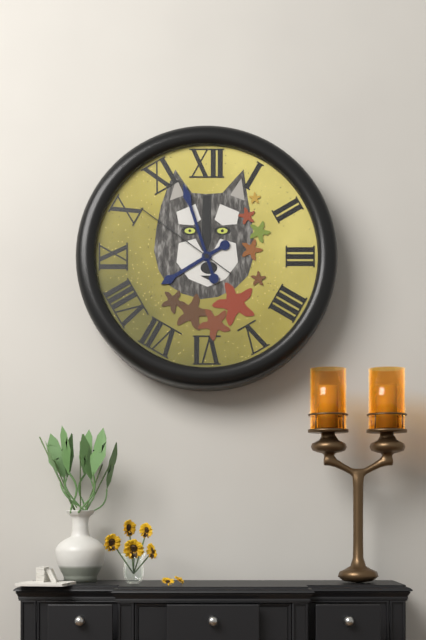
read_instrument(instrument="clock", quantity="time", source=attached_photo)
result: 7:57:51
